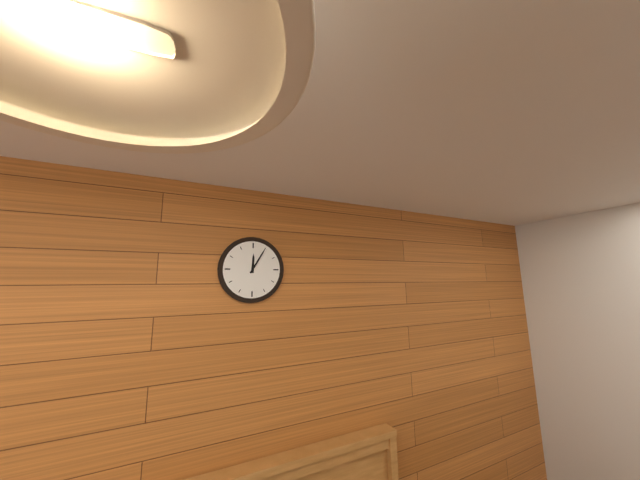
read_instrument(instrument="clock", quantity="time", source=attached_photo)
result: 12:05
